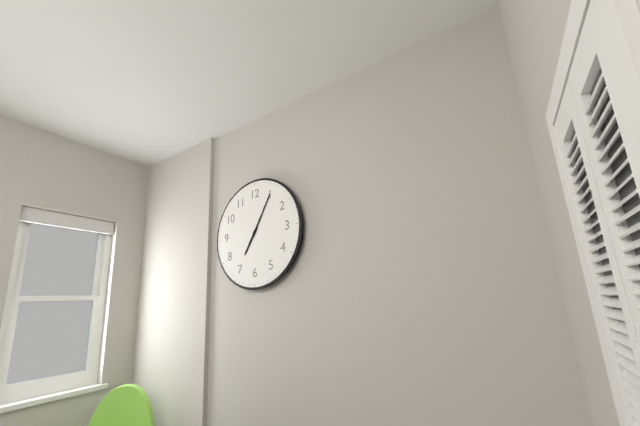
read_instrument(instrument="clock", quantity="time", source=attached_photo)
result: 7:05
